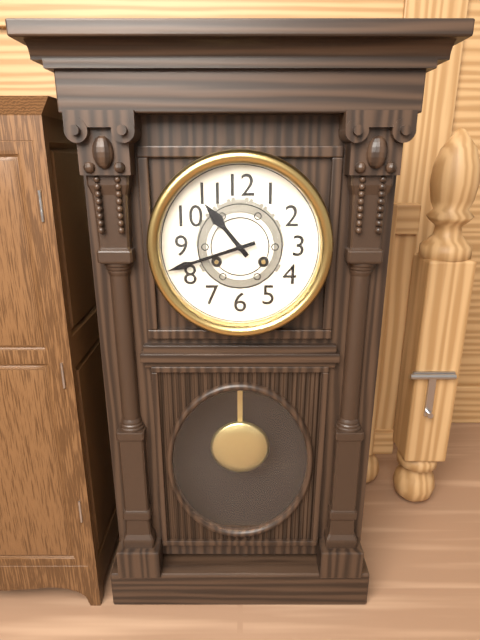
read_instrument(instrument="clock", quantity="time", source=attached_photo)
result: 10:42
